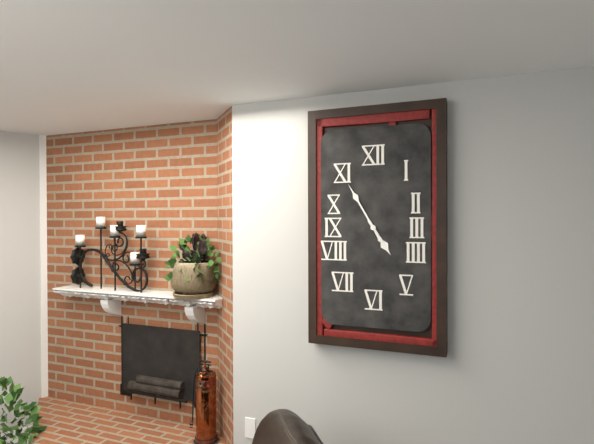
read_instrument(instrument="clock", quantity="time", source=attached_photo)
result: 4:55
